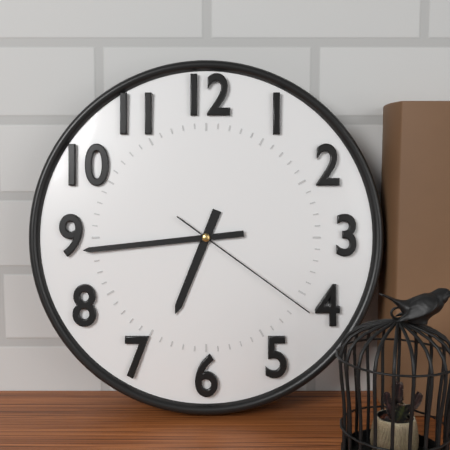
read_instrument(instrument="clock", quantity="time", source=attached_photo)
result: 6:44:21
